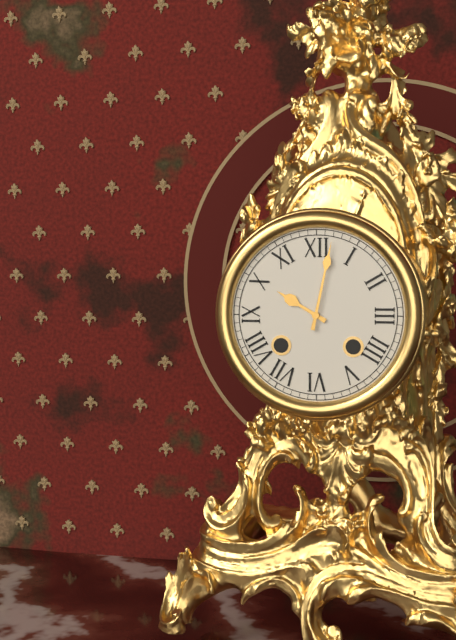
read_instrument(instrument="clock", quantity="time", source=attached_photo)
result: 10:02
